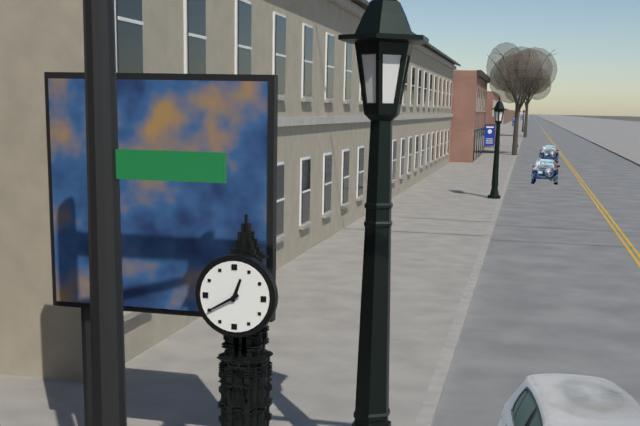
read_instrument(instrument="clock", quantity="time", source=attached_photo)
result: 12:40
